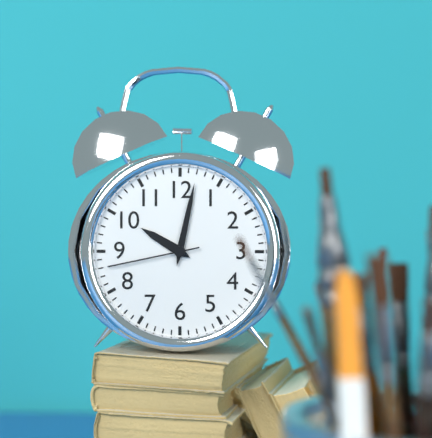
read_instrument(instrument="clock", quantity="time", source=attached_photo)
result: 10:02:43
